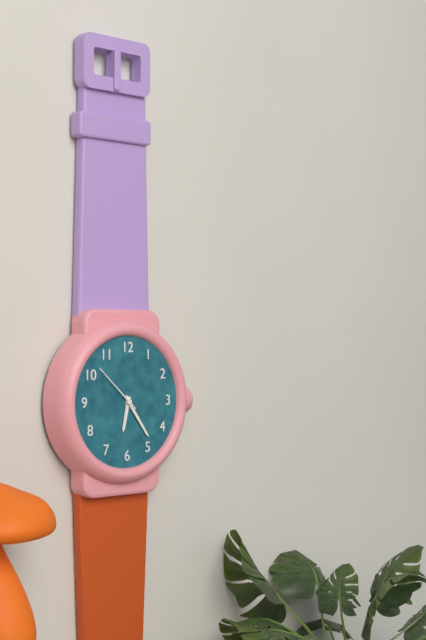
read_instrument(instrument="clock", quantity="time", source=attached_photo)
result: 6:24:52
